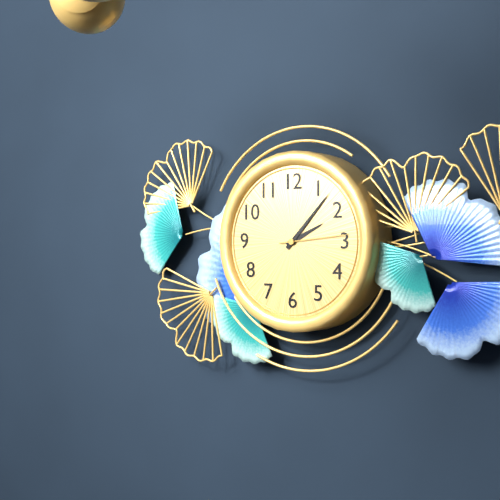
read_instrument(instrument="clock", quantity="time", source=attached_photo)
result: 2:07:14
